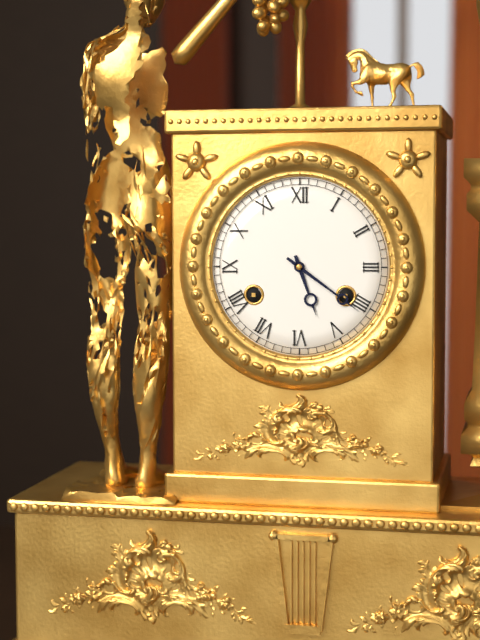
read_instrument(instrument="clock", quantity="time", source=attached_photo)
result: 5:21
